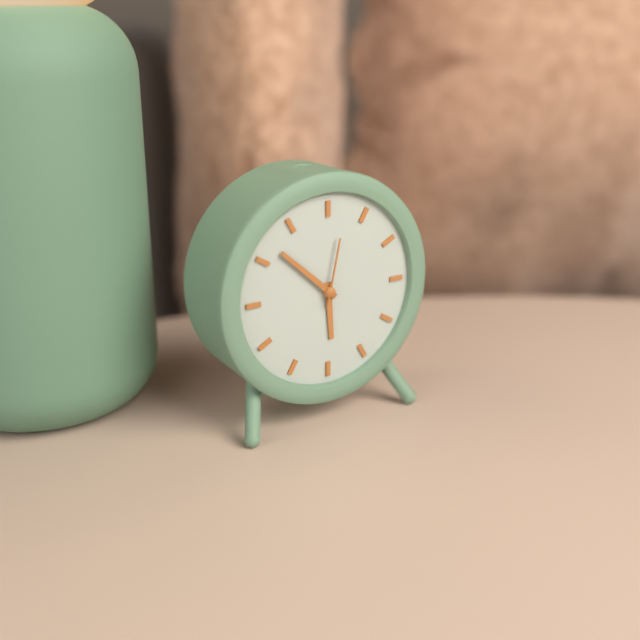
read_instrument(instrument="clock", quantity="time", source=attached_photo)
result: 5:52:02
